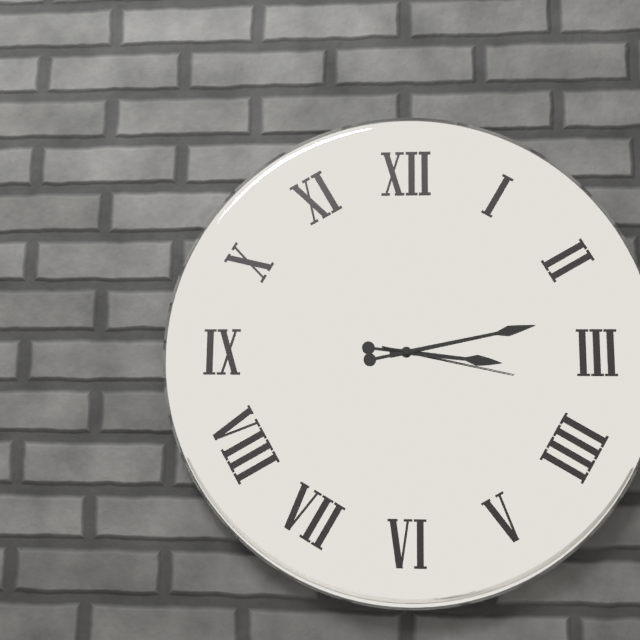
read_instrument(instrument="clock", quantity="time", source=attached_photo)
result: 3:13:17
